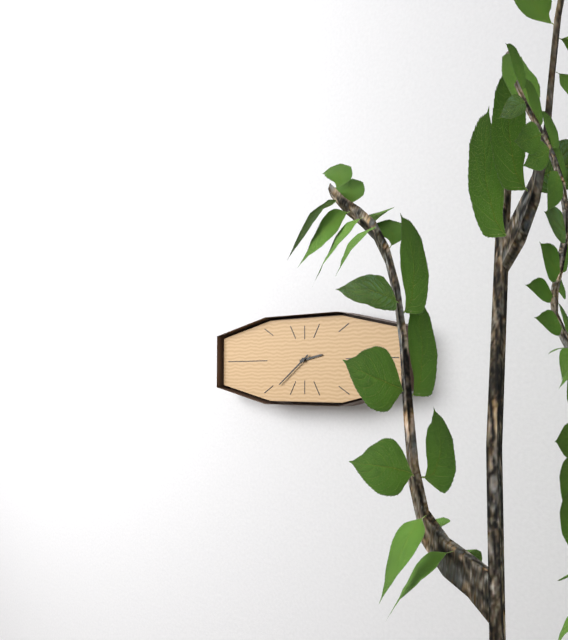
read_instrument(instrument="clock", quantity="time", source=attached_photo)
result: 2:39
